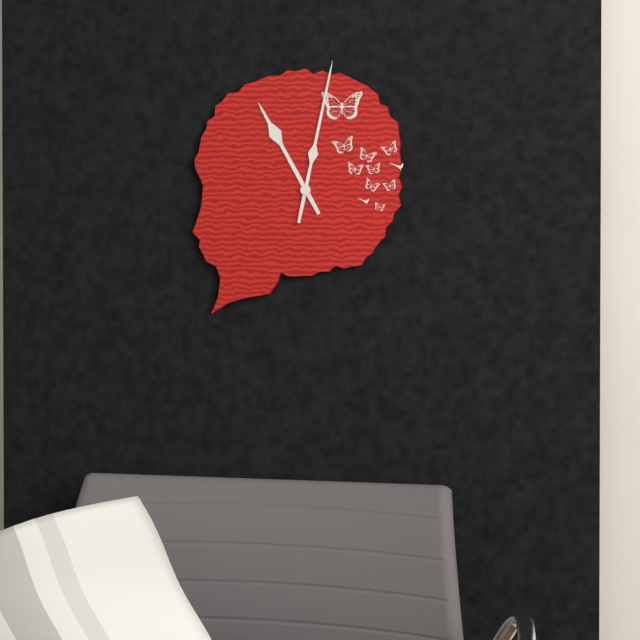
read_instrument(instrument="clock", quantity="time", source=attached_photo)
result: 11:02
